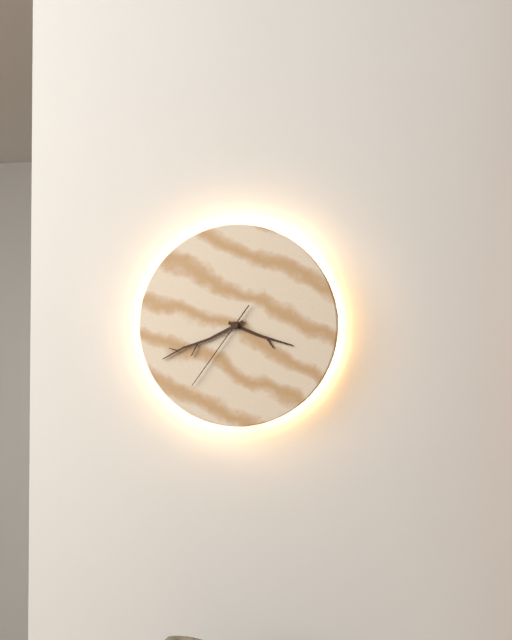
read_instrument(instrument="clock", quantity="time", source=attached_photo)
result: 3:41:36
